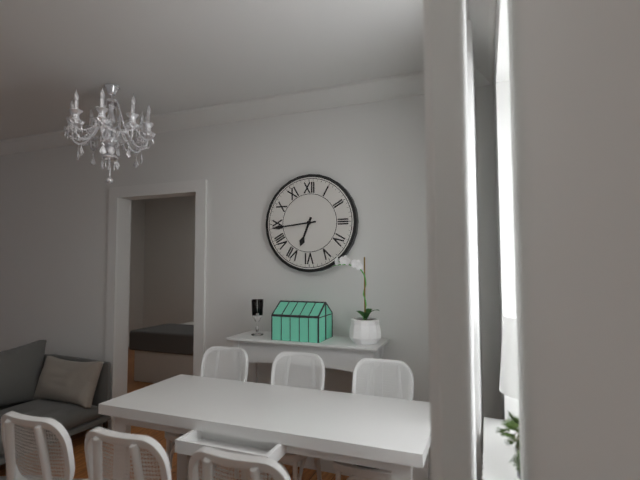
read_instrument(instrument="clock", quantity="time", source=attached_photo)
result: 6:44
